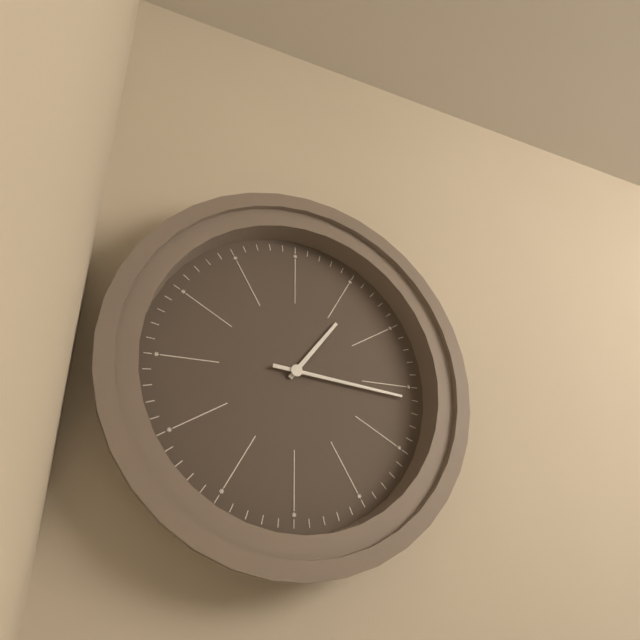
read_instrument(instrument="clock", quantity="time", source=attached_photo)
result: 1:16
